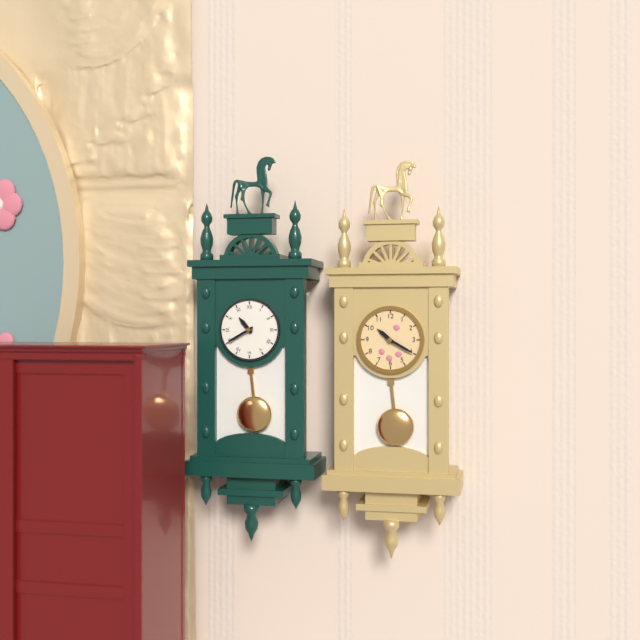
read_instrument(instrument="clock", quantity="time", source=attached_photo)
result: 10:40
